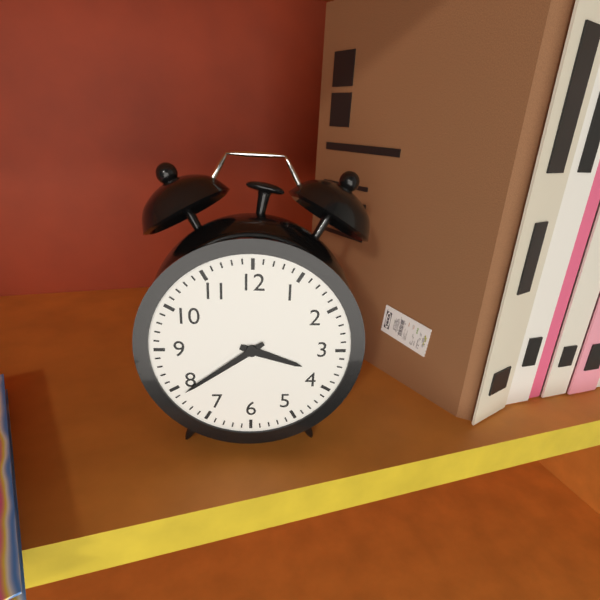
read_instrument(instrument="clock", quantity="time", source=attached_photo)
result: 3:39
